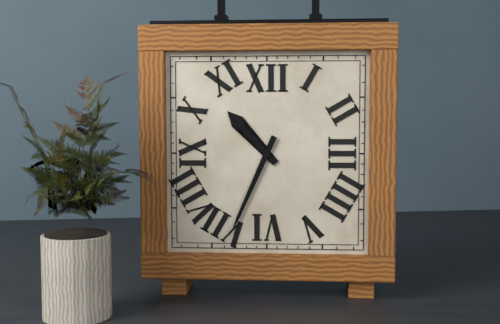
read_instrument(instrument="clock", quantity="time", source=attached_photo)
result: 10:34
